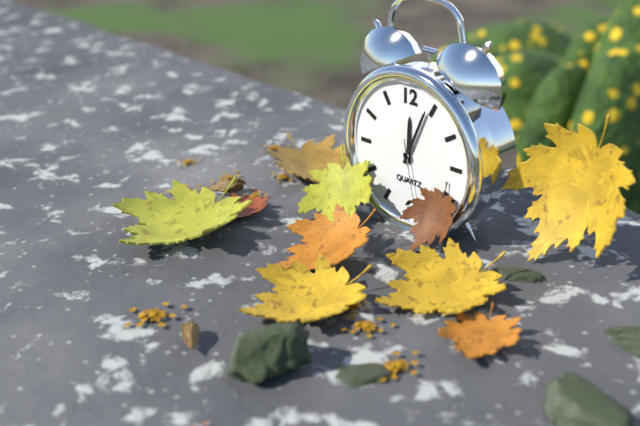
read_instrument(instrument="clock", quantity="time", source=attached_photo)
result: 12:04:28
